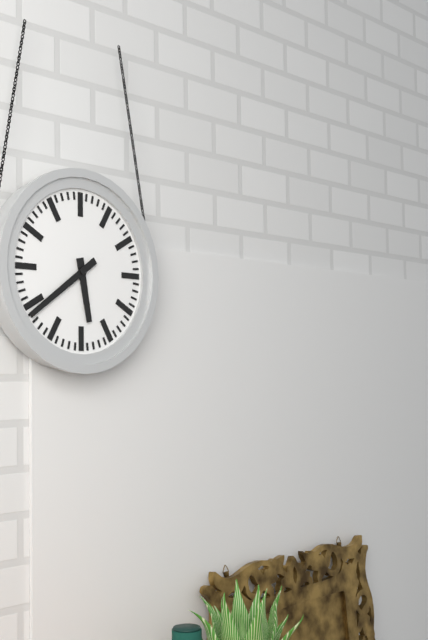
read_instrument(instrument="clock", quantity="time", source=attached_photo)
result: 5:39
